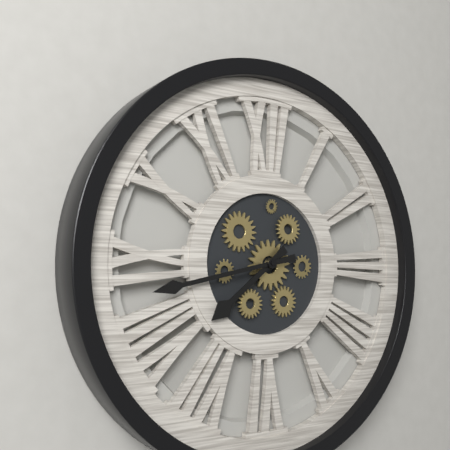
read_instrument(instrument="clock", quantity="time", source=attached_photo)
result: 7:43
